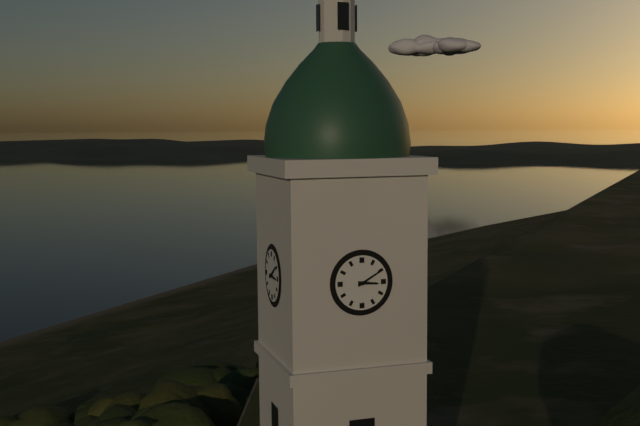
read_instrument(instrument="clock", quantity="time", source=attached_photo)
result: 3:10
